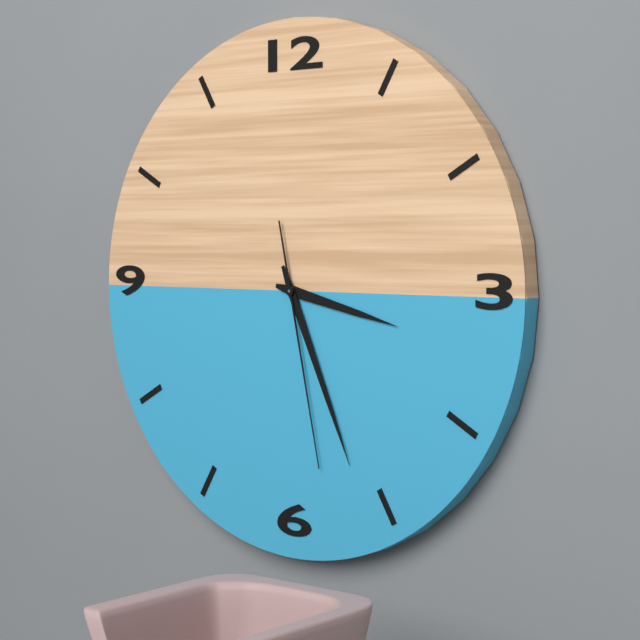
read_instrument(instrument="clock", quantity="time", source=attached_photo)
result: 3:26:28
